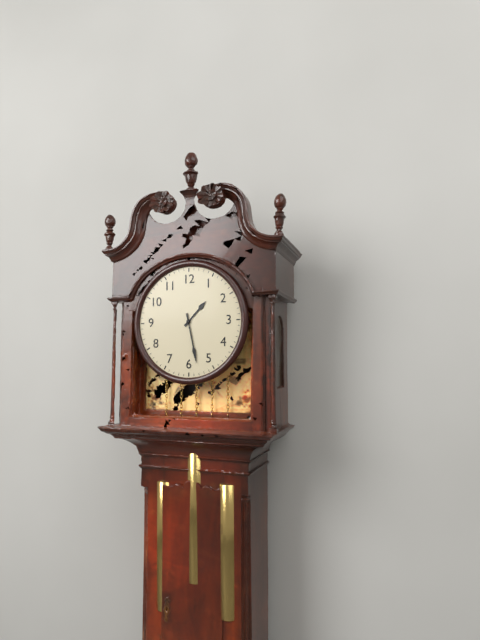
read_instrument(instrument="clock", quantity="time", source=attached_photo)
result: 1:28
